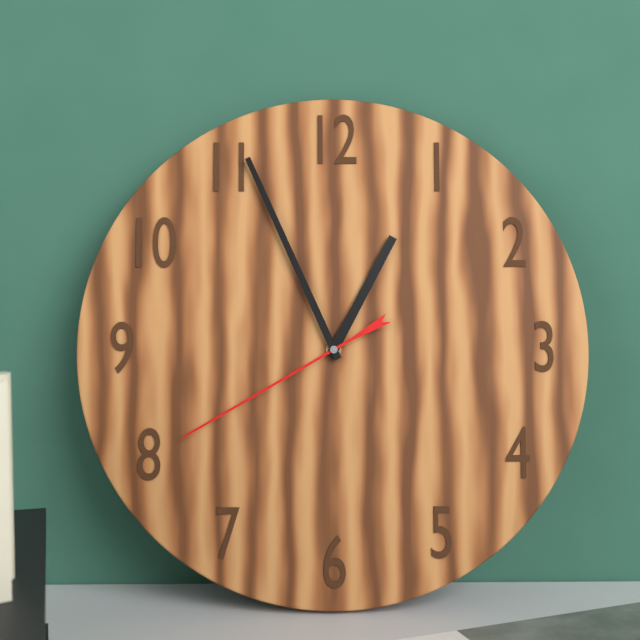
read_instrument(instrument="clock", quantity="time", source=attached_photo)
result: 12:56:40
